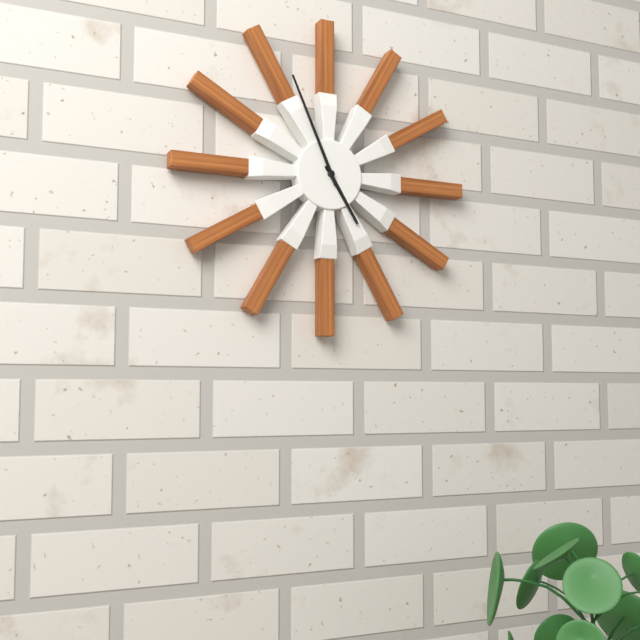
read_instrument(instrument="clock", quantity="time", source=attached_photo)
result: 4:56
